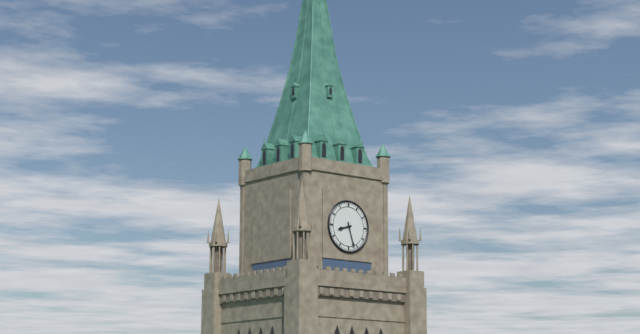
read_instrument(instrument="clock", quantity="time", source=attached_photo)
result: 8:27
